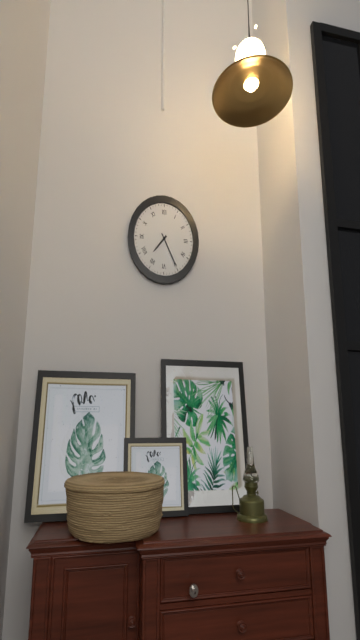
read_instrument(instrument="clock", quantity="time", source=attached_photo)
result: 7:25
